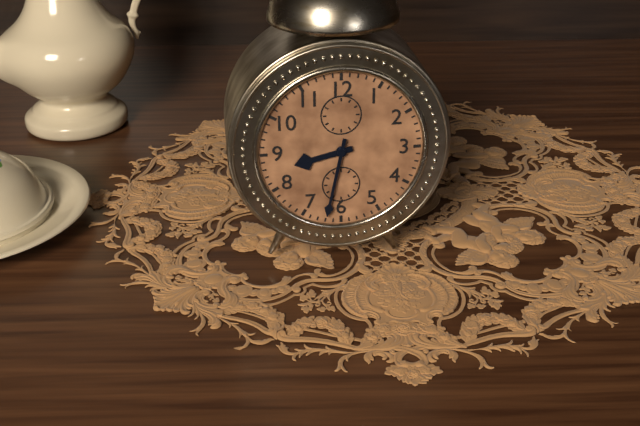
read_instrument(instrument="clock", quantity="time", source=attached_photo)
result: 8:32
